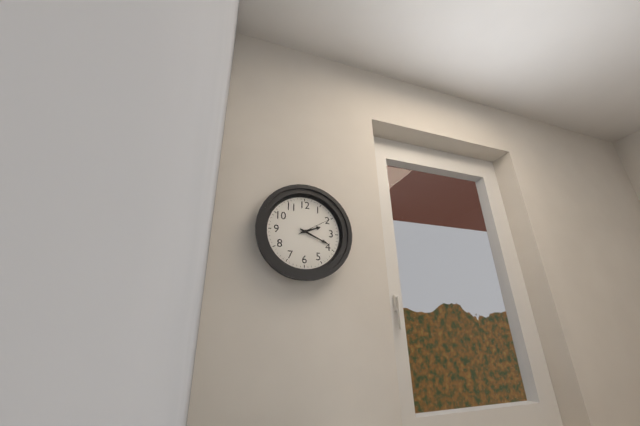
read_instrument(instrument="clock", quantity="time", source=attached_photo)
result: 2:19
